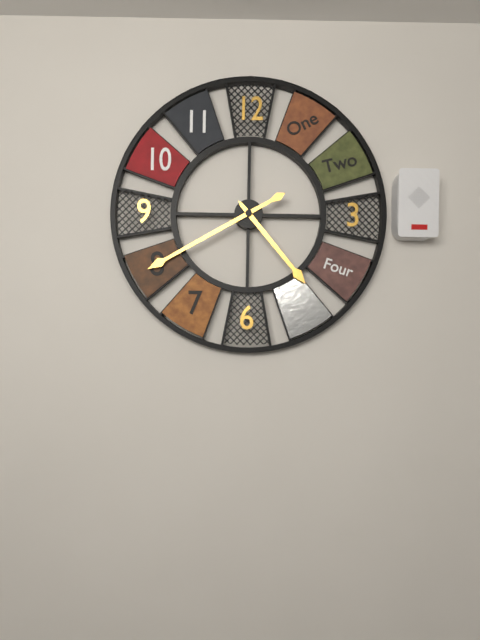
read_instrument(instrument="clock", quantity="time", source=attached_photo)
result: 4:40
